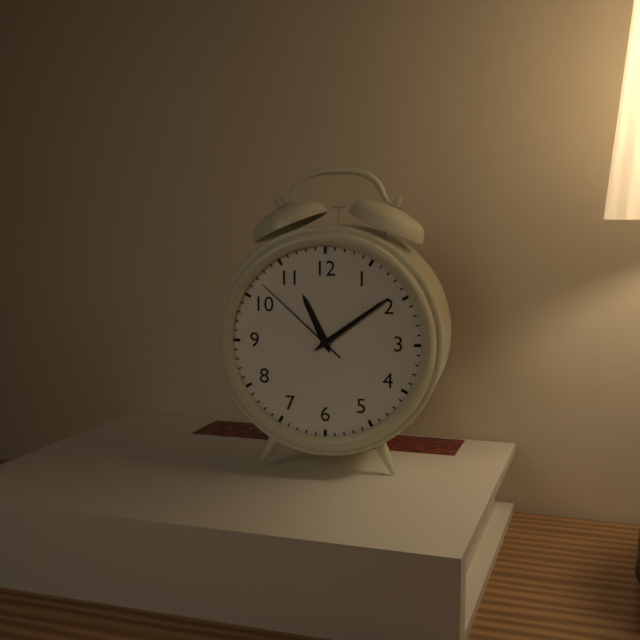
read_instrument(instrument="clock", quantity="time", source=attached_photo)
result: 11:09:52
